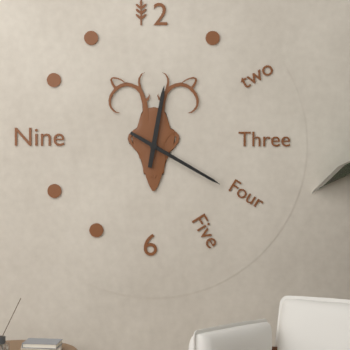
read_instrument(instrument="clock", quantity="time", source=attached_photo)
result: 12:20
